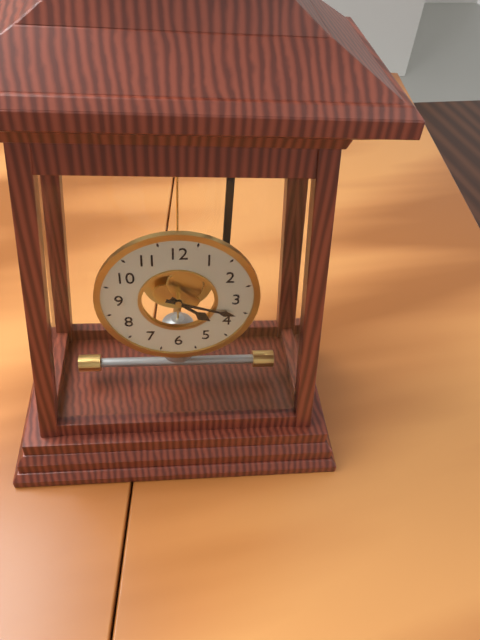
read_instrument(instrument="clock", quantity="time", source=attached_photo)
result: 4:18
